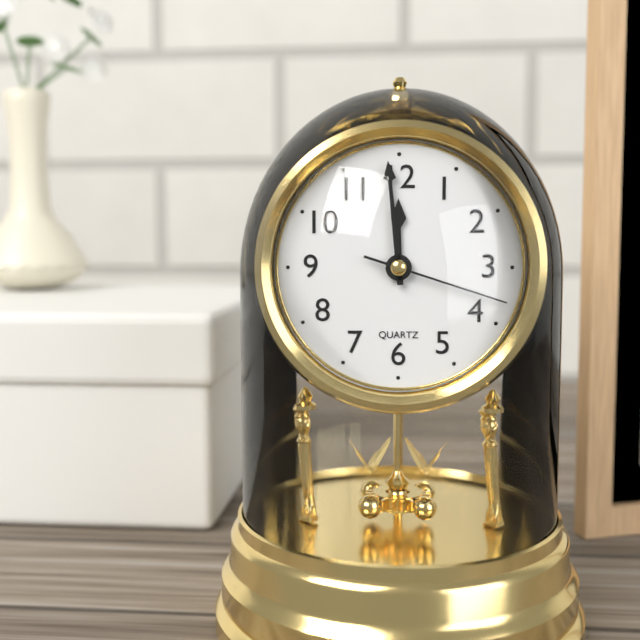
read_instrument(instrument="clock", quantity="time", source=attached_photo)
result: 11:59:18
